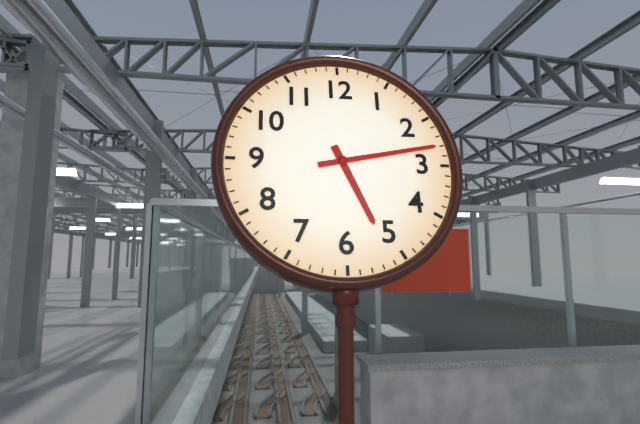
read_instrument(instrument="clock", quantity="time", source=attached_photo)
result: 5:13
